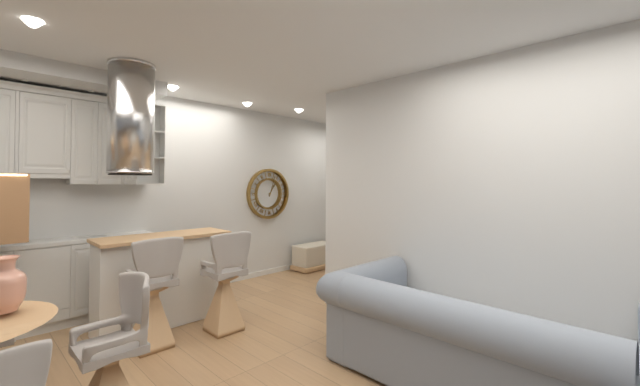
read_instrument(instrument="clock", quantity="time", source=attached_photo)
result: 1:03
